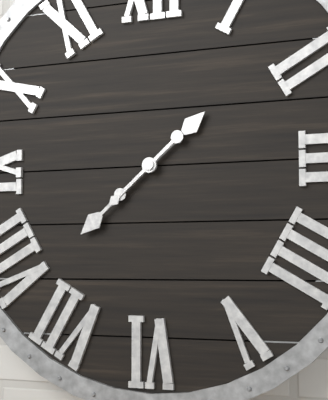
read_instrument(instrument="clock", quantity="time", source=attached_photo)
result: 1:38
